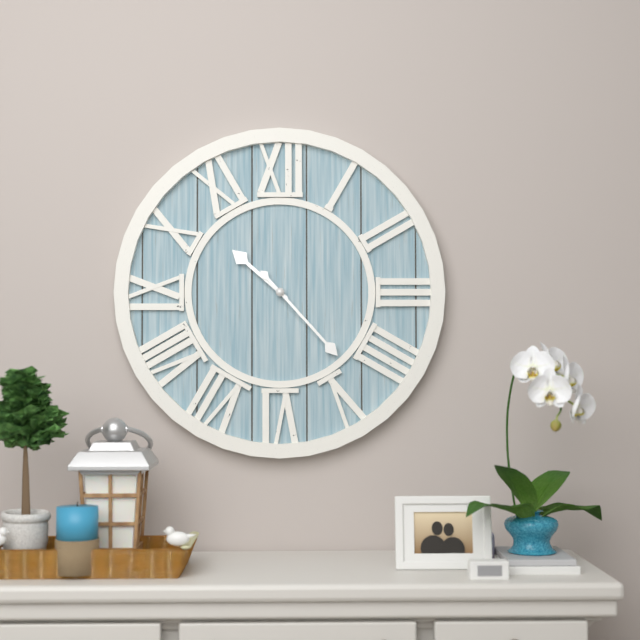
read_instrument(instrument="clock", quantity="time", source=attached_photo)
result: 10:23
